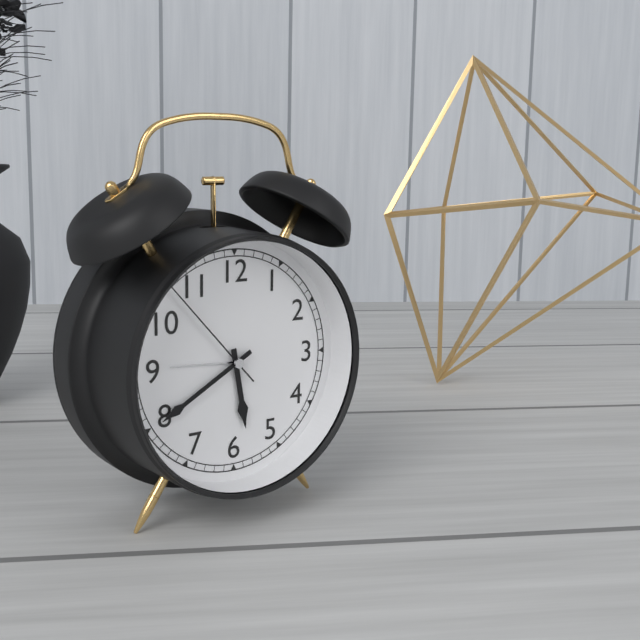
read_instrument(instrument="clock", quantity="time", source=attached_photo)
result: 5:40:53
